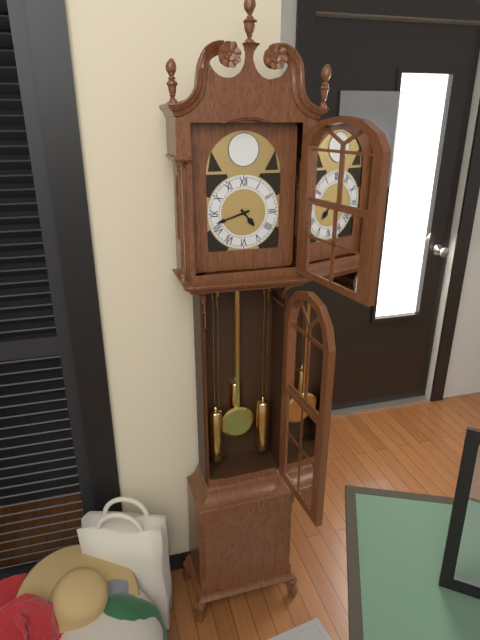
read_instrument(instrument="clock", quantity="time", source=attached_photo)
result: 4:42
